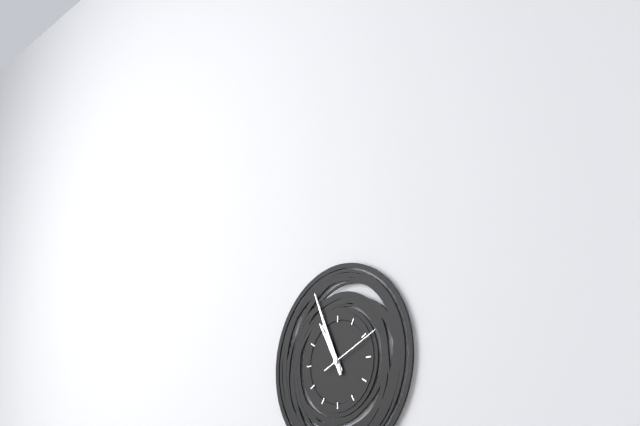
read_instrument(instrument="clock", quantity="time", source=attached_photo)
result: 10:56:11
